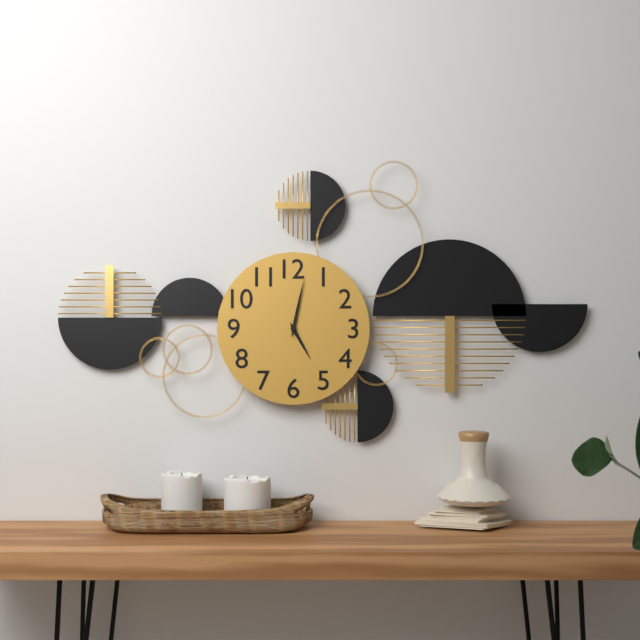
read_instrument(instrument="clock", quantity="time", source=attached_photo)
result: 5:02
